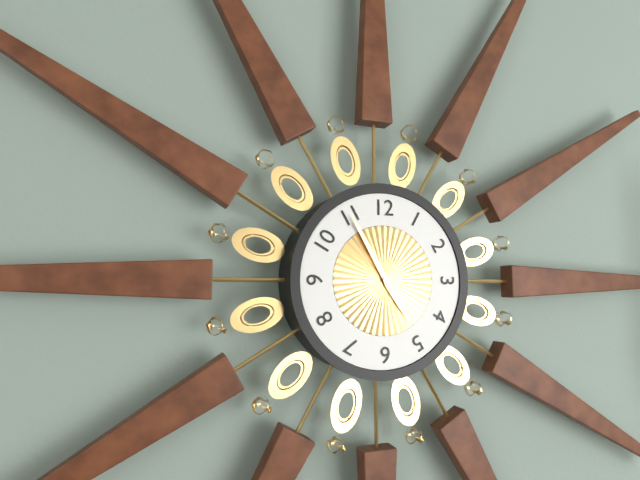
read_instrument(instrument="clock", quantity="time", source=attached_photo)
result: 4:55
